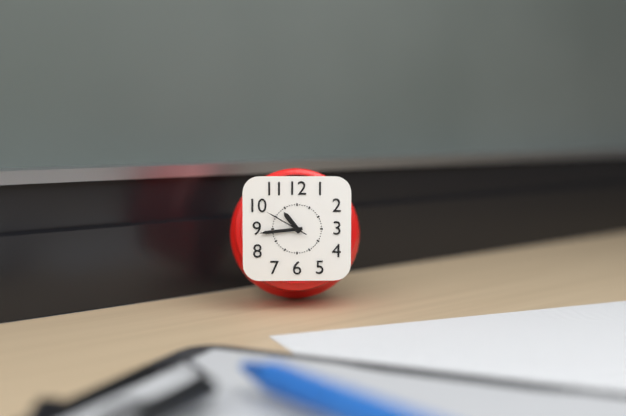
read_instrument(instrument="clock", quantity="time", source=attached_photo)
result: 10:44
